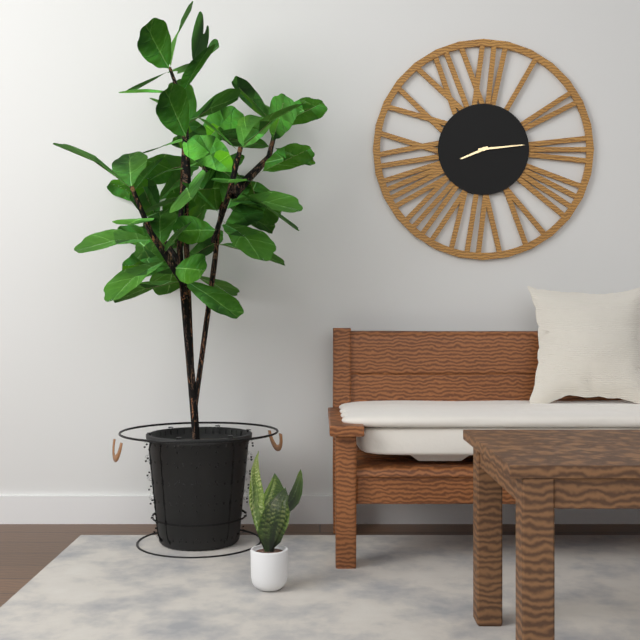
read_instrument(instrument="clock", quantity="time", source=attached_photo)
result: 8:14
